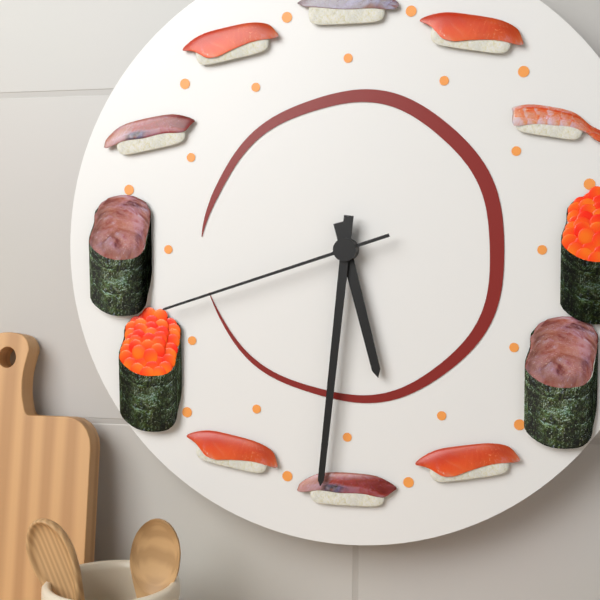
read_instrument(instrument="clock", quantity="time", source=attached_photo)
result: 5:31:42
